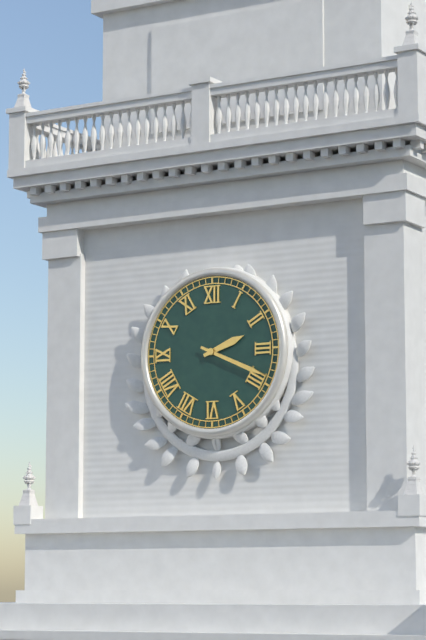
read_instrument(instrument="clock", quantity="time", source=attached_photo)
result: 2:19
